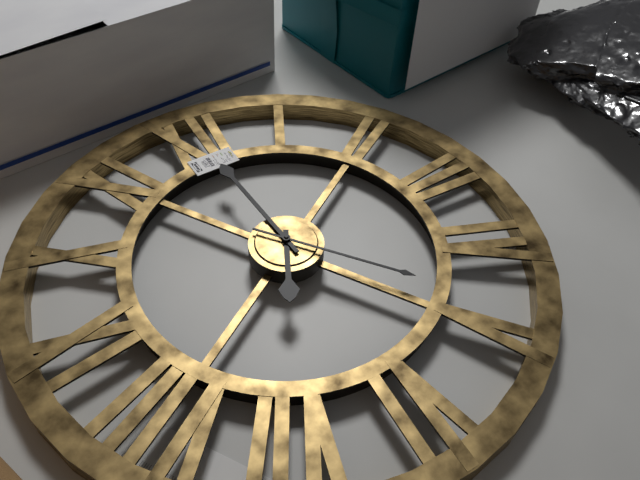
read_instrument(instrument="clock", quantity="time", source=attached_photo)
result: 7:00:24
